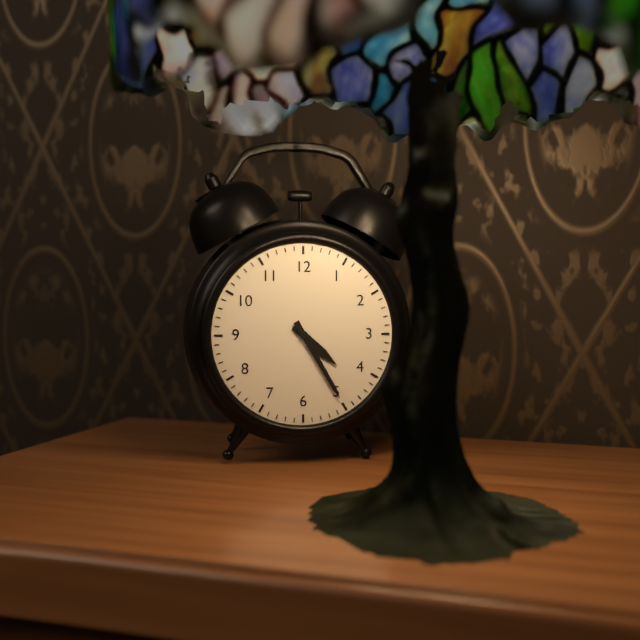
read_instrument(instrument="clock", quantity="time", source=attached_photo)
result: 4:25
